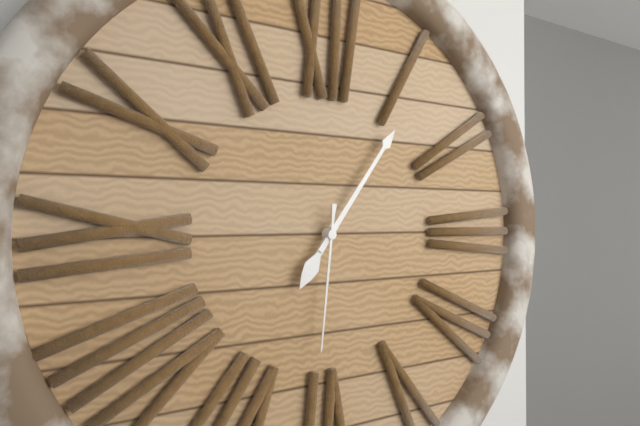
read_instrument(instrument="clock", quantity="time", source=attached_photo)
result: 7:06:31
